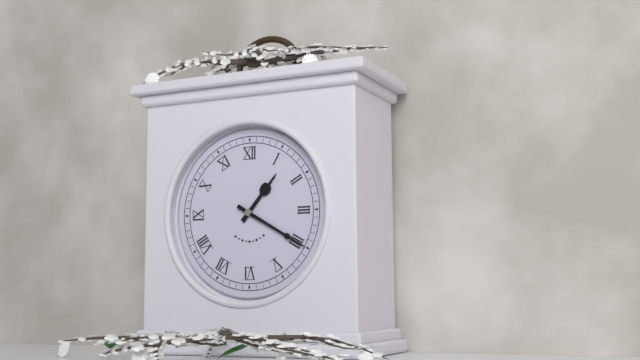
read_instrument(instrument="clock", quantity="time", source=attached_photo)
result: 1:20
